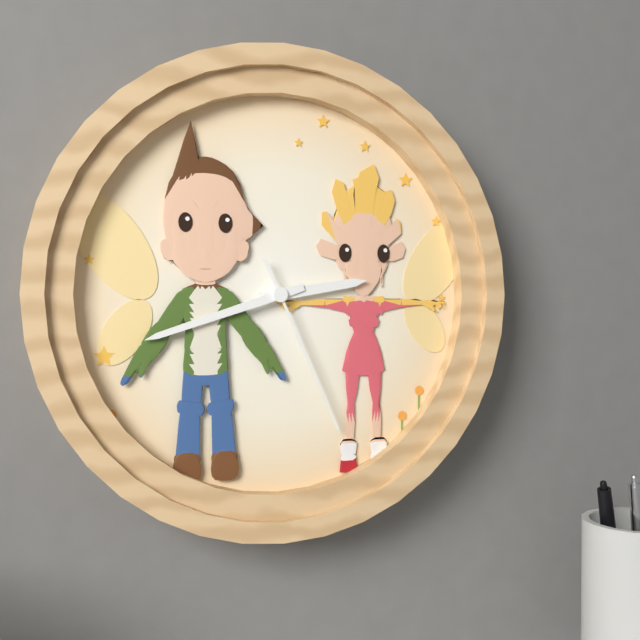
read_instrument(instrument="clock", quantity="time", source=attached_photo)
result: 2:42:26
